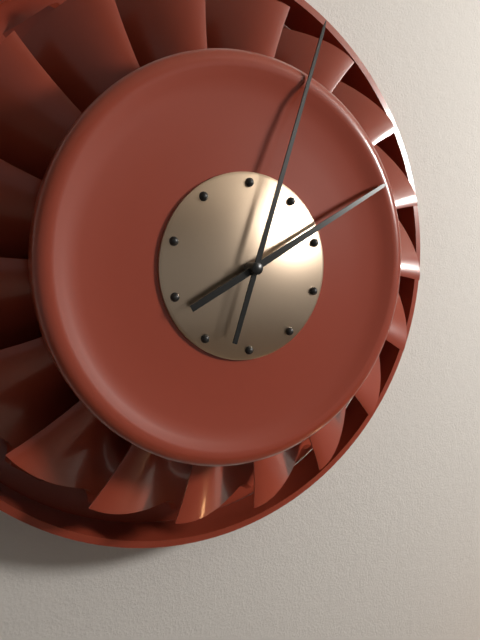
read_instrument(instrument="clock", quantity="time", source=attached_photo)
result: 2:03
